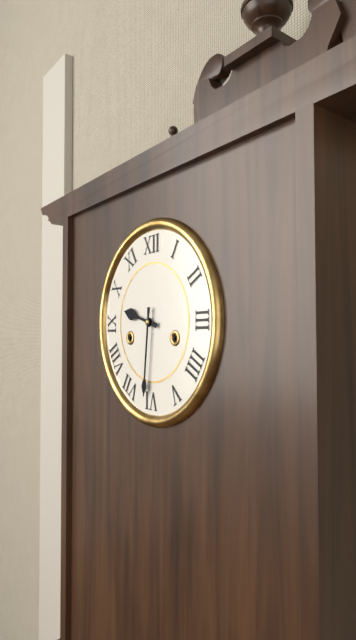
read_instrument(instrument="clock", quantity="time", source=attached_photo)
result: 9:31
